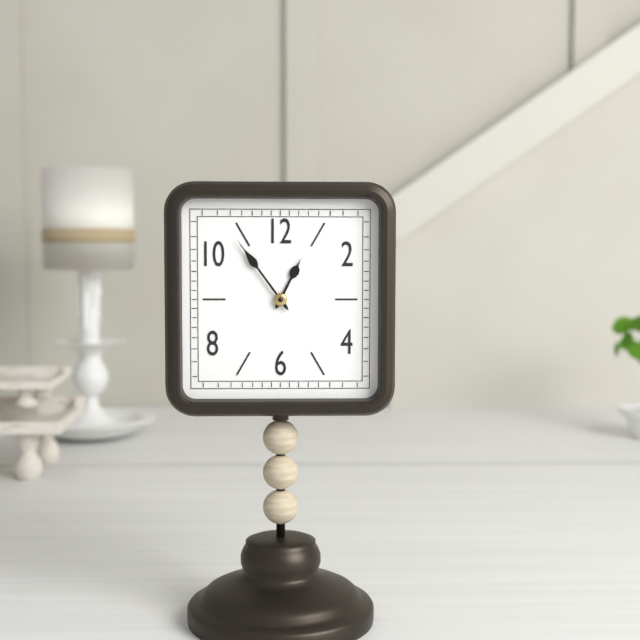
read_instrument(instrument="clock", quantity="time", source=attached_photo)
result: 12:54
